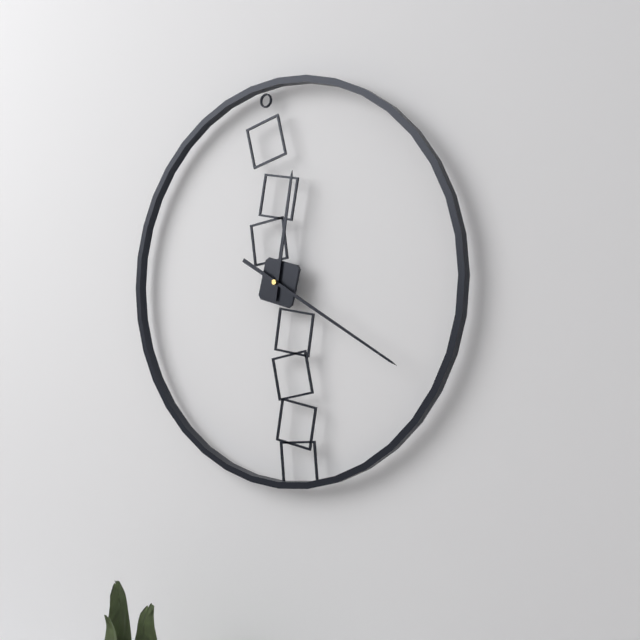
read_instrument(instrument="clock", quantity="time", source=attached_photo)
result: 12:20
